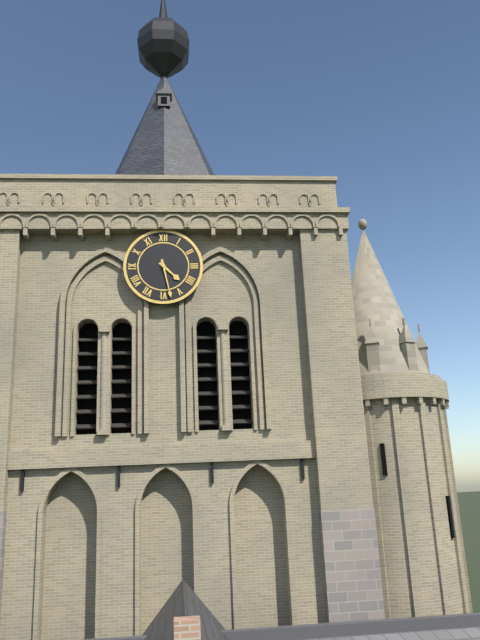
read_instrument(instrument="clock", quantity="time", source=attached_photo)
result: 4:28
